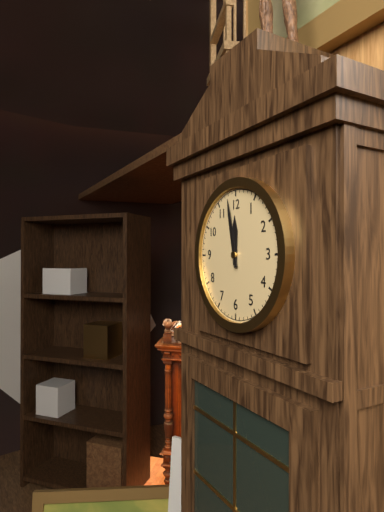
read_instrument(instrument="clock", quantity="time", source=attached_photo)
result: 11:58
